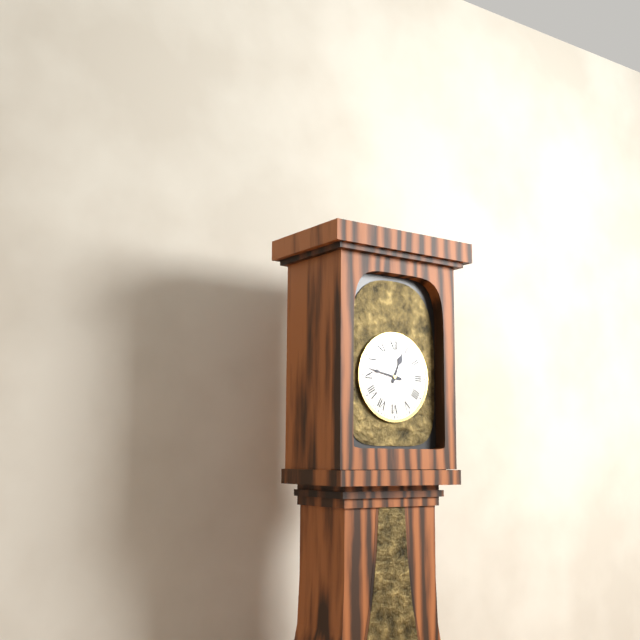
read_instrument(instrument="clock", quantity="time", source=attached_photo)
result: 12:47
